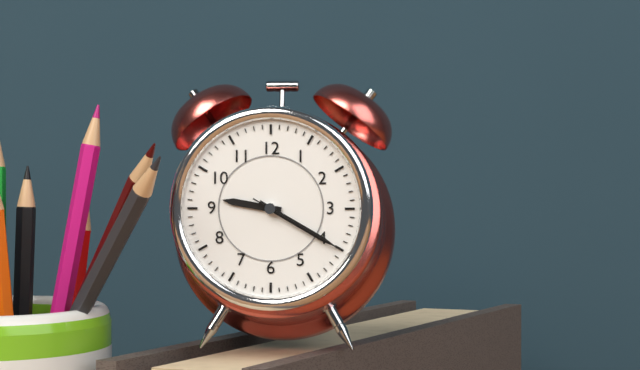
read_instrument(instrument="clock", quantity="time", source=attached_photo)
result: 9:20:20
